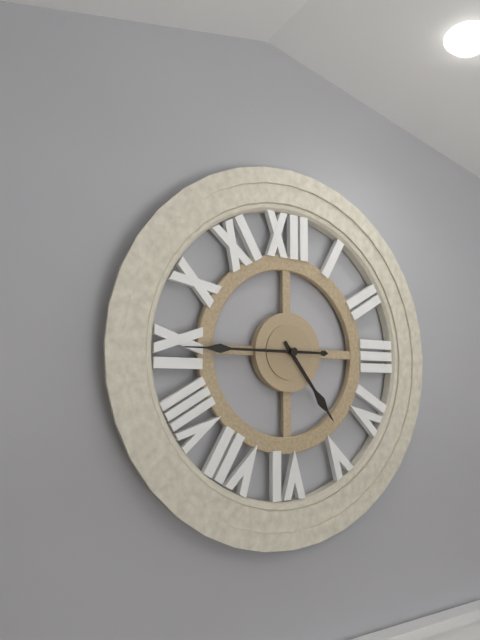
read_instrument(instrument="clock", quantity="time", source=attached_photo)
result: 4:45
